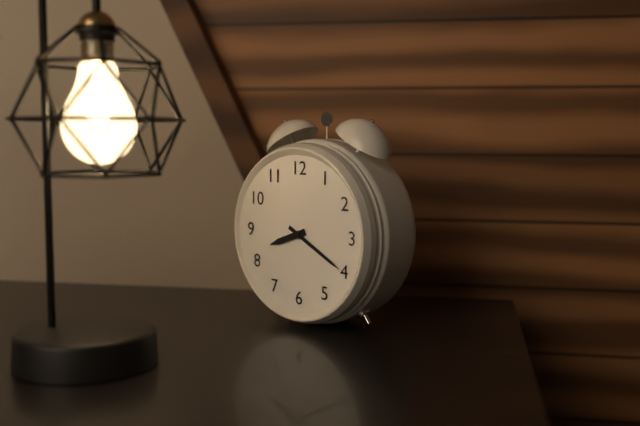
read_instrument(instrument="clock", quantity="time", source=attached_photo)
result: 8:20
